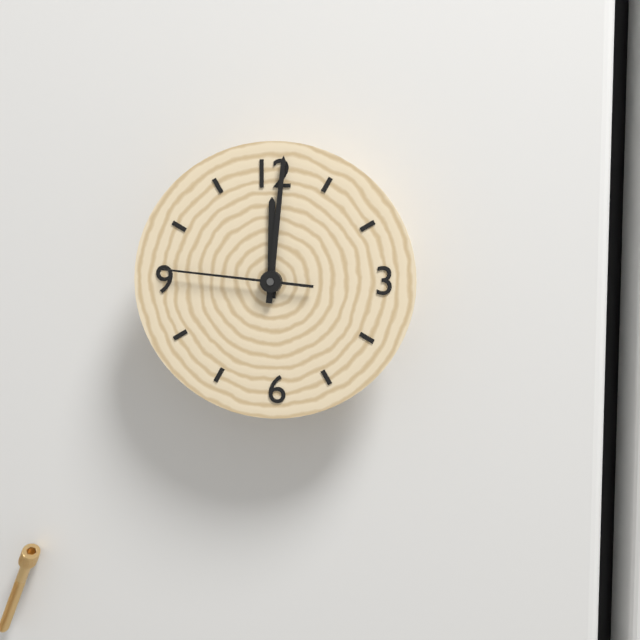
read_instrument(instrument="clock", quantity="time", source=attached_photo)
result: 12:01:46
